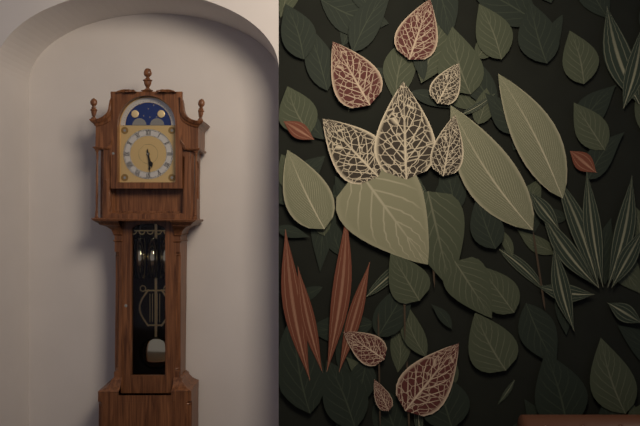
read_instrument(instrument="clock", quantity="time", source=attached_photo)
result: 5:29
